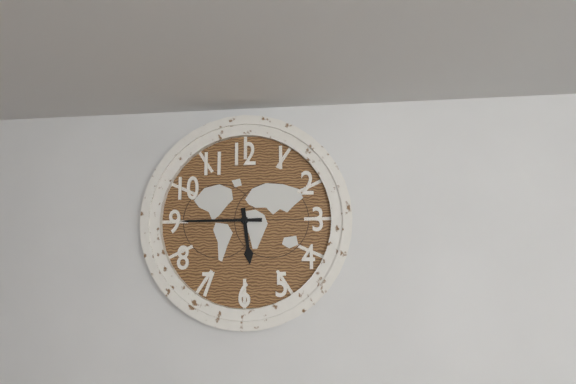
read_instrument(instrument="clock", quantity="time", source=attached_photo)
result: 5:45
